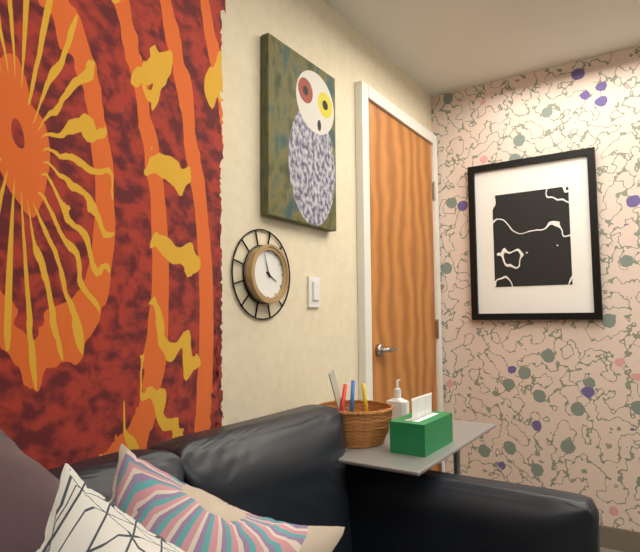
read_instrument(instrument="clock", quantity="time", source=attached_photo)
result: 3:57
